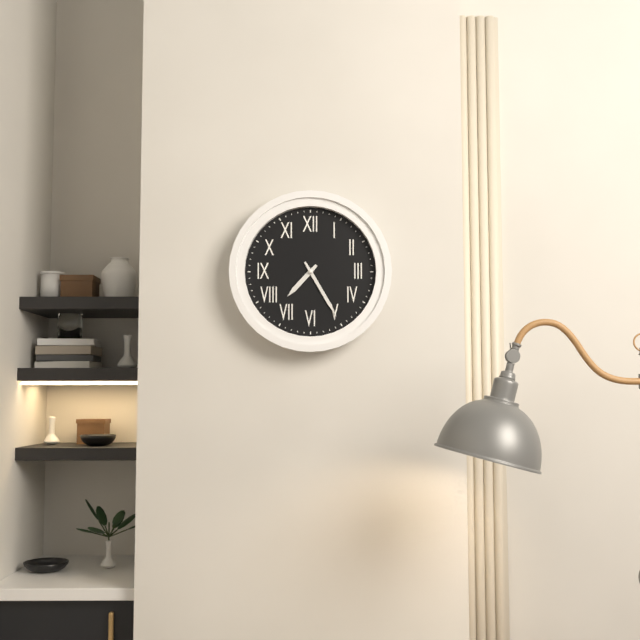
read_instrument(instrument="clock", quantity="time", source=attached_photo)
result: 7:25
